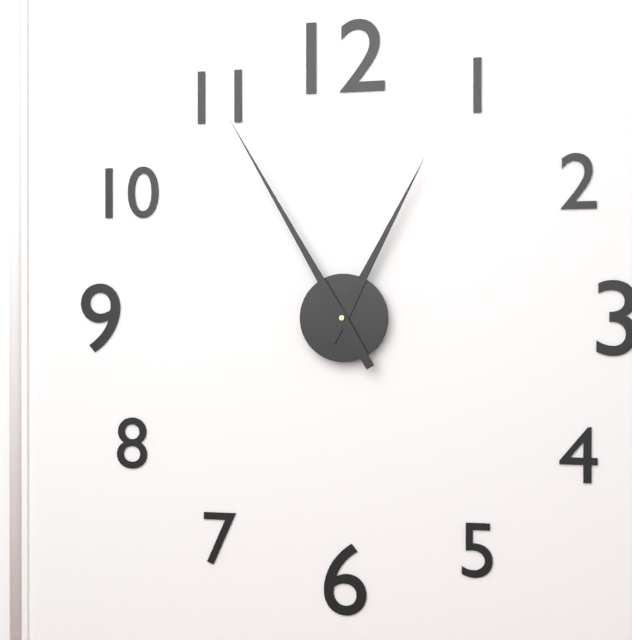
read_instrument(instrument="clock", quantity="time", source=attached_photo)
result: 12:55
